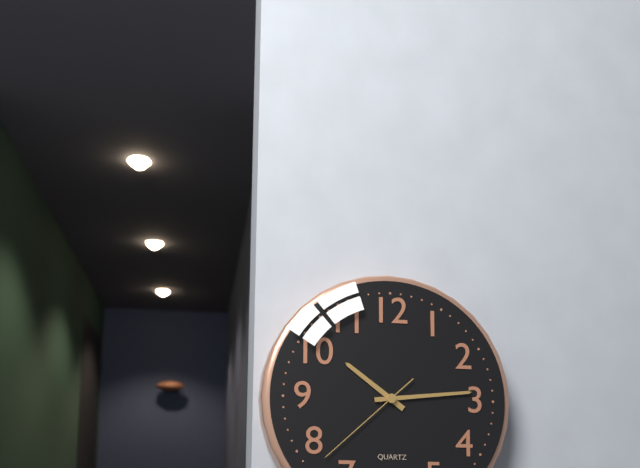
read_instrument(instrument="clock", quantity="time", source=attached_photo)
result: 10:14:38
